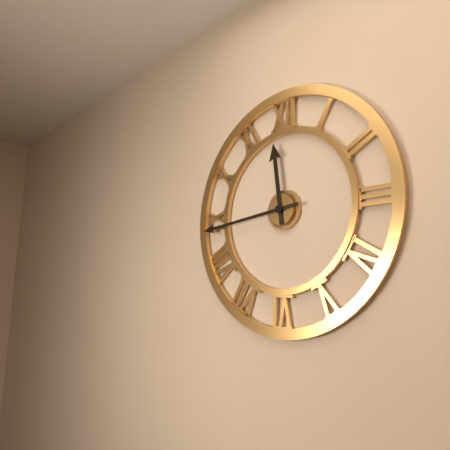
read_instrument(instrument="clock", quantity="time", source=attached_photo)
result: 11:44
